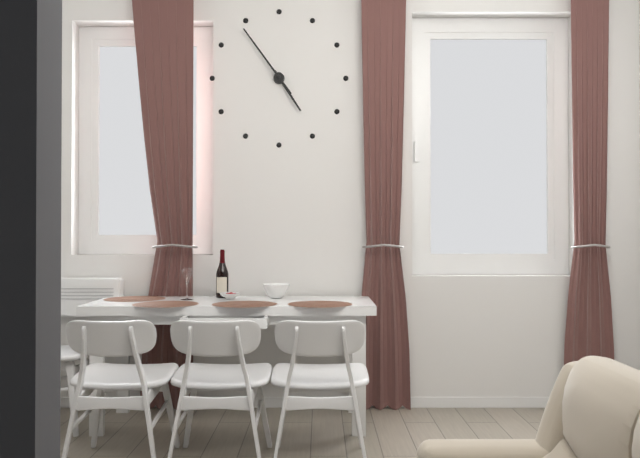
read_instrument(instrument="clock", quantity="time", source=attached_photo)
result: 4:54
